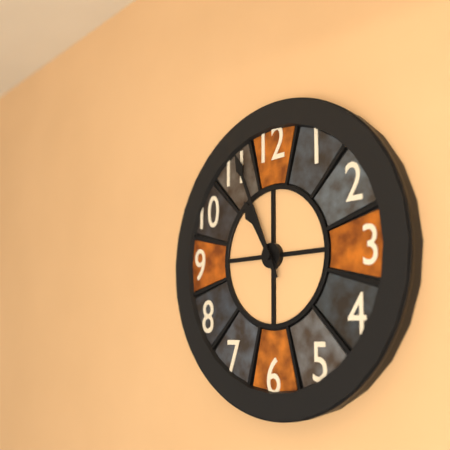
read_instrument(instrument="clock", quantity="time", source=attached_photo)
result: 10:56
